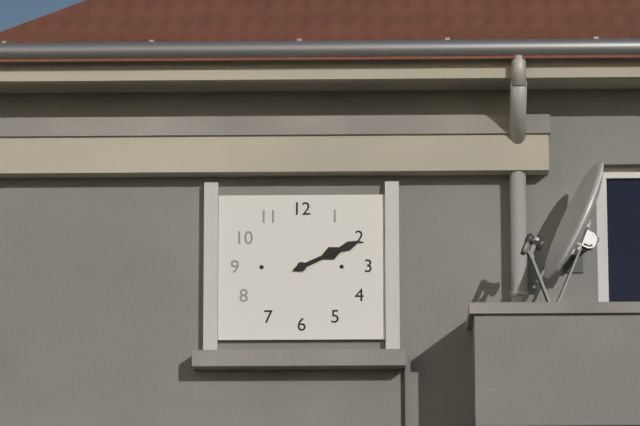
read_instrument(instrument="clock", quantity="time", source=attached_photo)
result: 2:11
